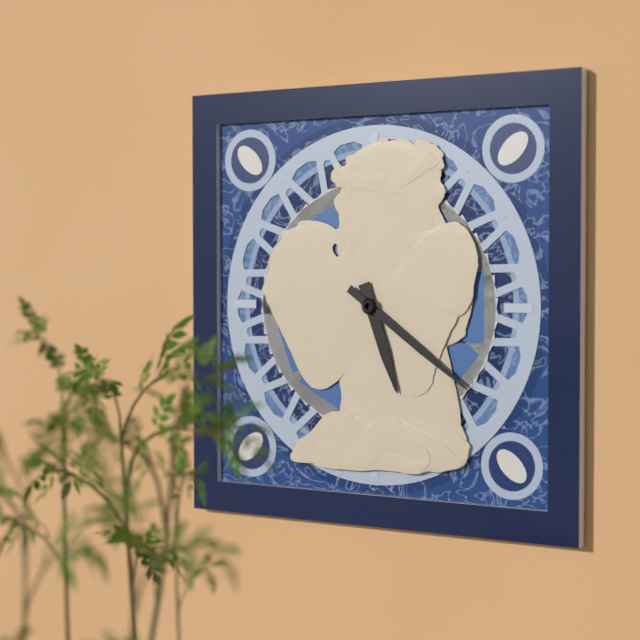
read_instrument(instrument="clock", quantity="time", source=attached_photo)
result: 5:21
